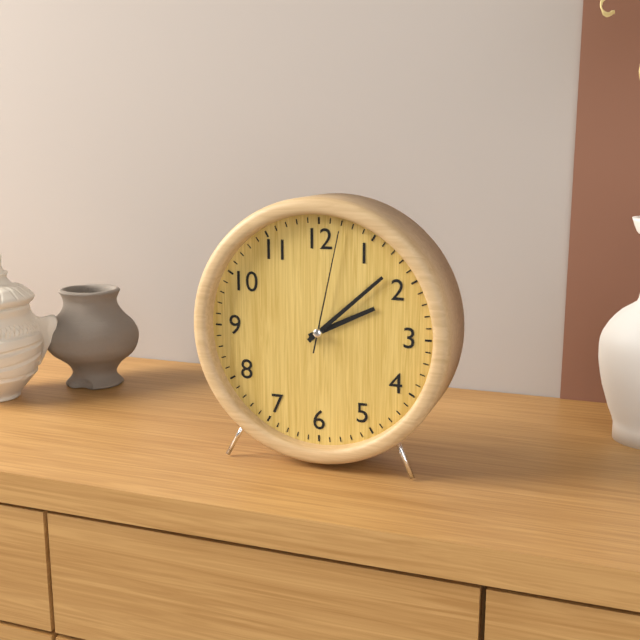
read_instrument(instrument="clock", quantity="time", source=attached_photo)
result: 2:08:02
